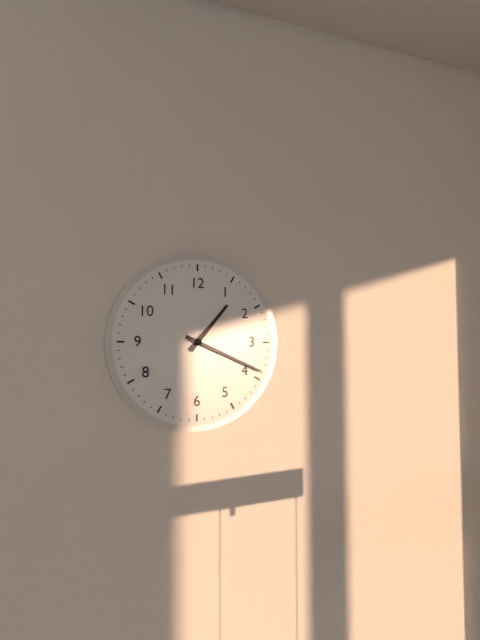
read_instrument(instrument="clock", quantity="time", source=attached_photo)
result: 1:19
